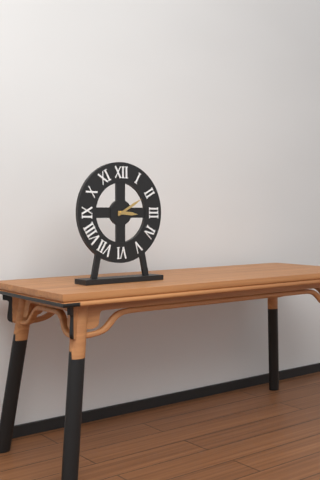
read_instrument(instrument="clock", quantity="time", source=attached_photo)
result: 3:10
